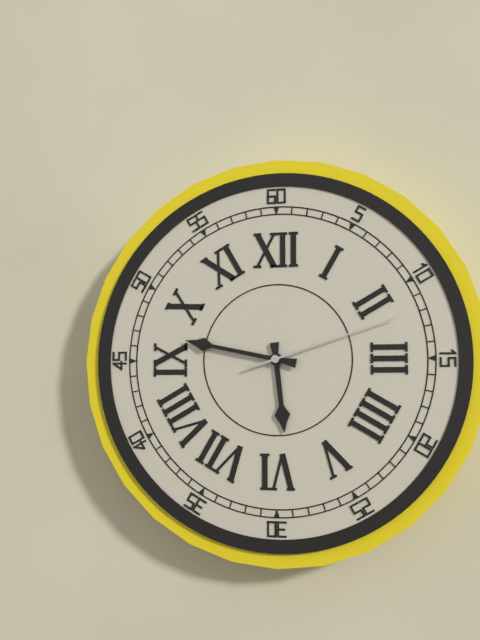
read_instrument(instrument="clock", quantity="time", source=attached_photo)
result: 5:47:12
